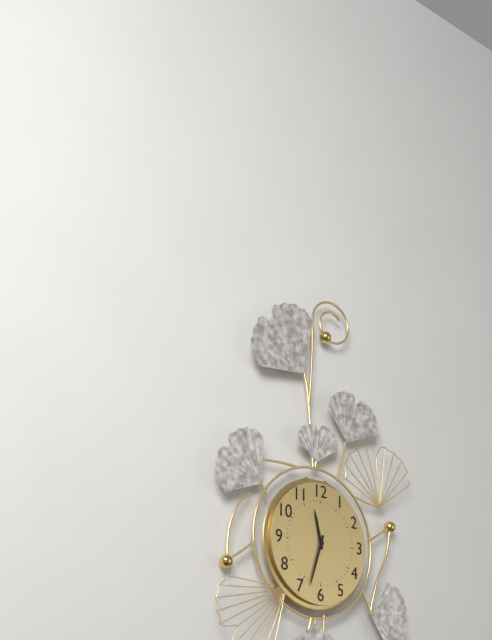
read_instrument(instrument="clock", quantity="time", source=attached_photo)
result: 11:33
